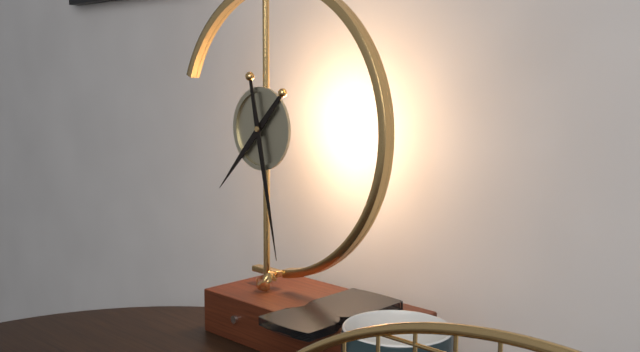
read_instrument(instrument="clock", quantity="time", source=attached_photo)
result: 7:28
